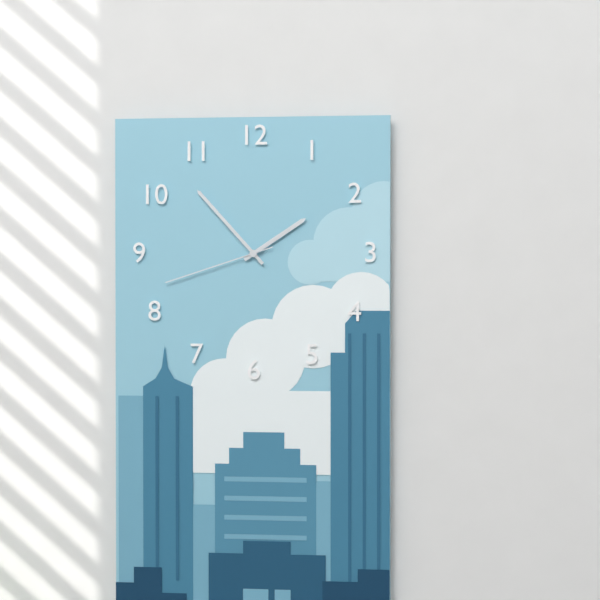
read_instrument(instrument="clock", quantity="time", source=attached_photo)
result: 1:53:42
